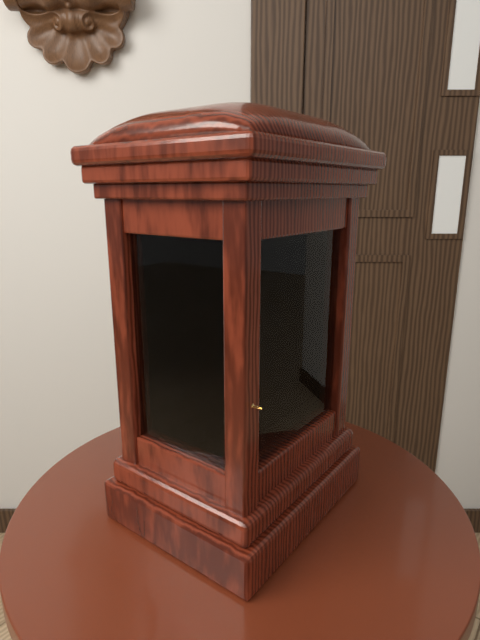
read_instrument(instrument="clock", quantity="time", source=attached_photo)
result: 2:28
